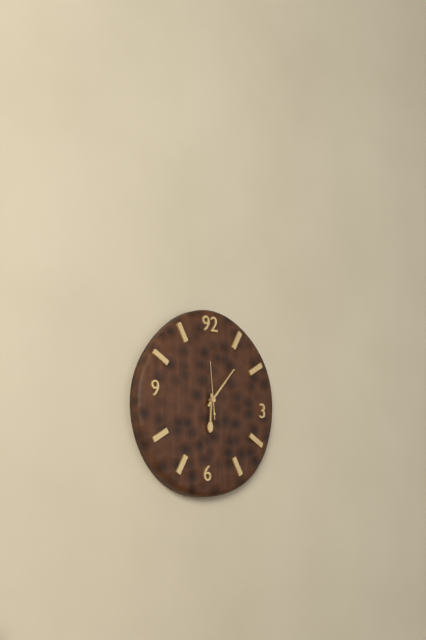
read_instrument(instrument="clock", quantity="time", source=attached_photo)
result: 6:07:59
